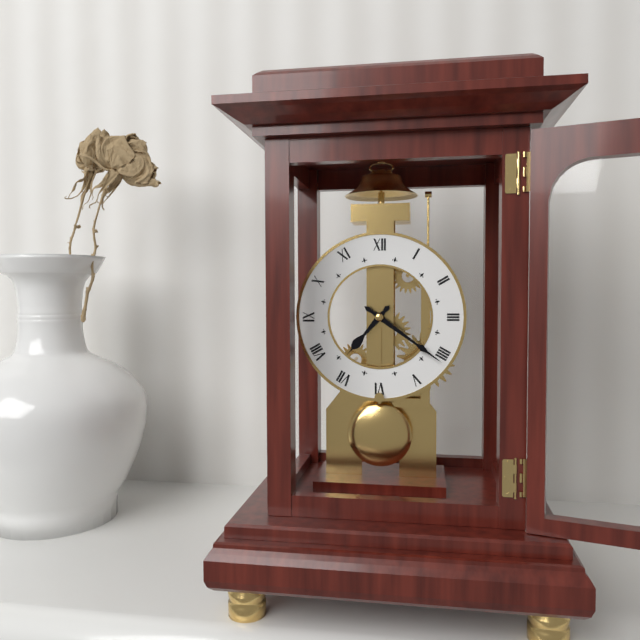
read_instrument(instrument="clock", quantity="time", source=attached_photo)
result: 7:21
